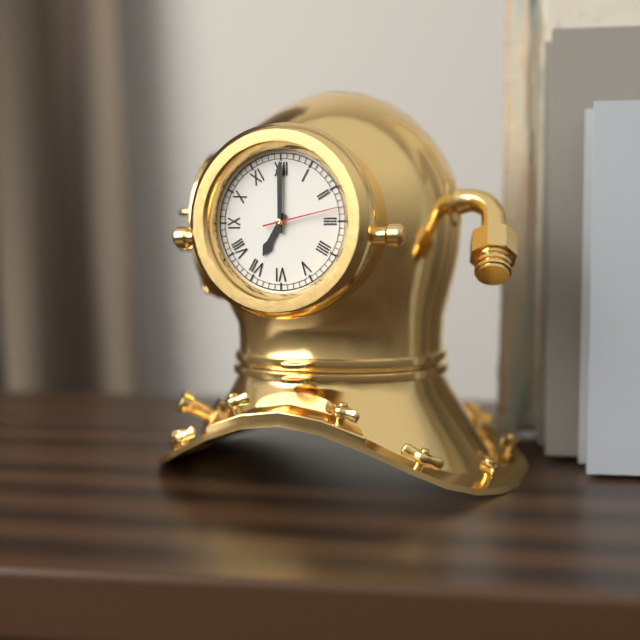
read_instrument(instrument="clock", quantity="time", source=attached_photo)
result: 7:00:13
